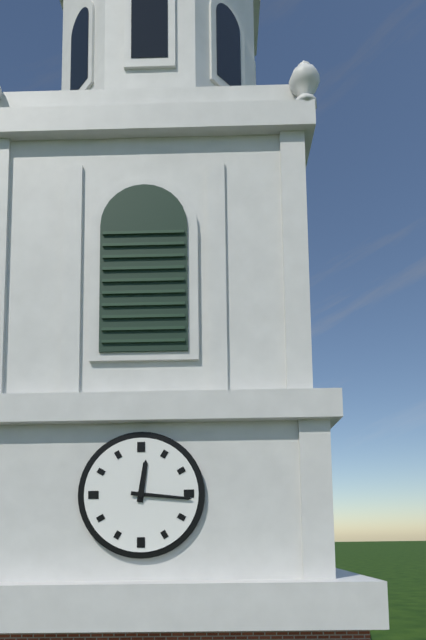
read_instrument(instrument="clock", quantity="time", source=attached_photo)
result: 12:16
